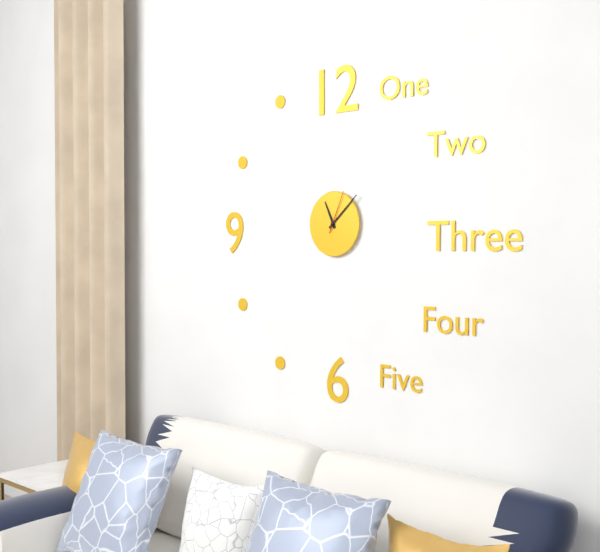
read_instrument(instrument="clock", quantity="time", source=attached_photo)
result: 11:08
